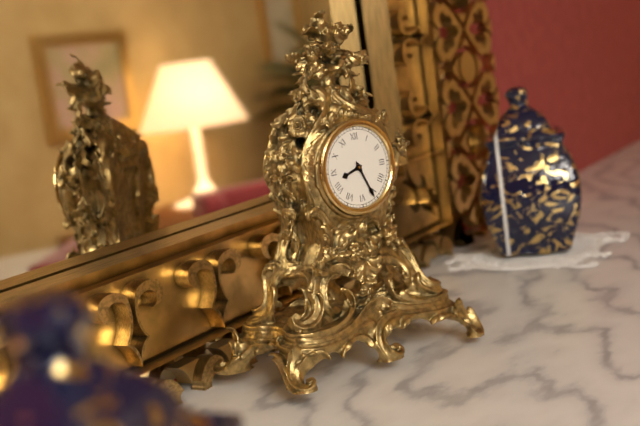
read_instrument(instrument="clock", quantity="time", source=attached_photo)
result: 8:26
